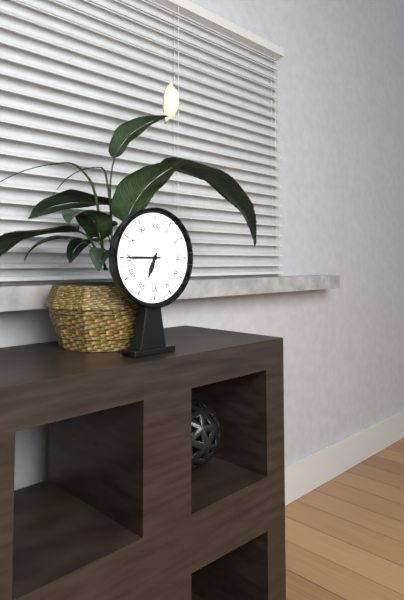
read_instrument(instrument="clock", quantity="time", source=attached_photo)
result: 6:45
